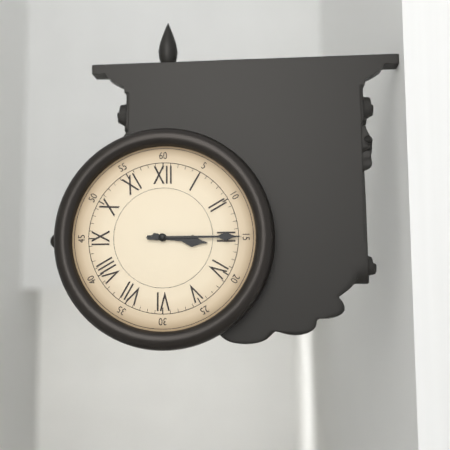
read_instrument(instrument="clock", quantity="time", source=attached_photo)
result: 3:15
